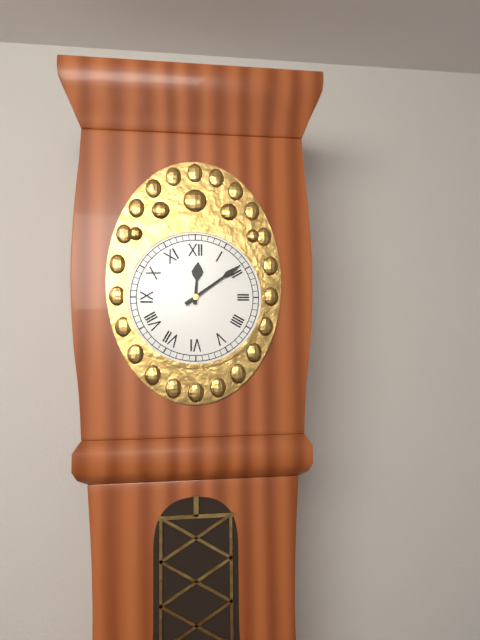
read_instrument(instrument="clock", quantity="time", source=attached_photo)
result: 12:09
